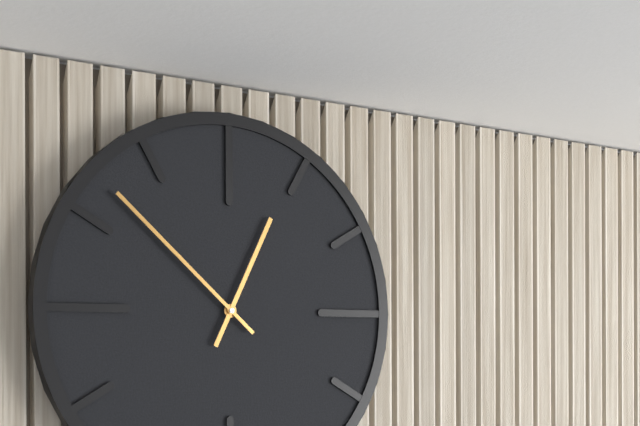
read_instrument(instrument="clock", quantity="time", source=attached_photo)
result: 12:52
